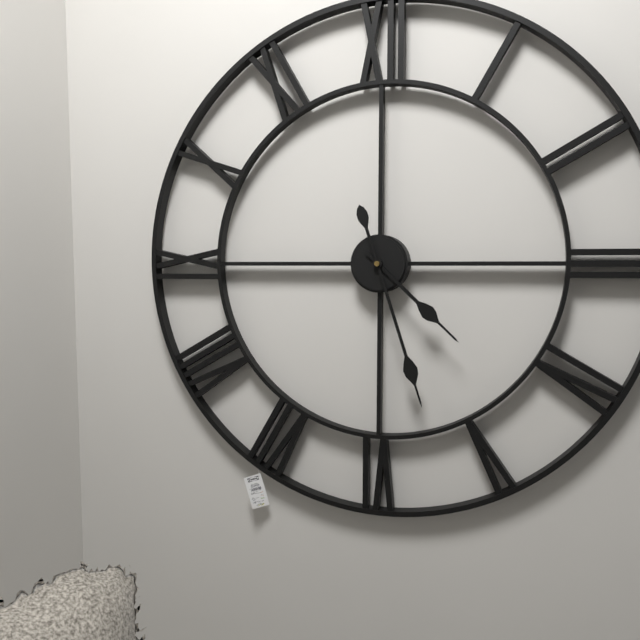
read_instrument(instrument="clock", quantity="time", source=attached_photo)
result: 4:27
